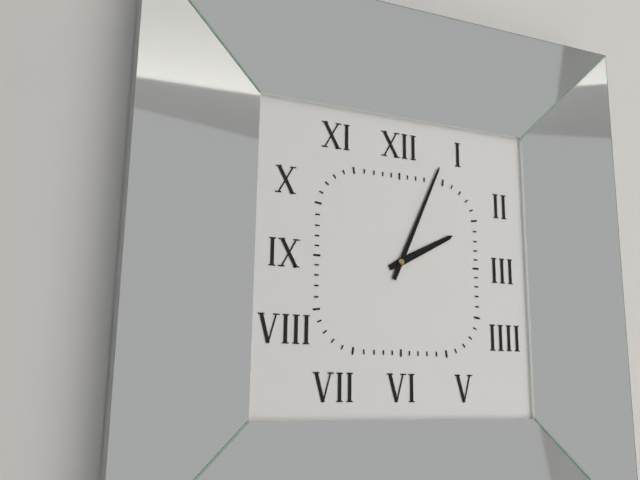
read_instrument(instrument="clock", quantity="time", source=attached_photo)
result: 2:04
